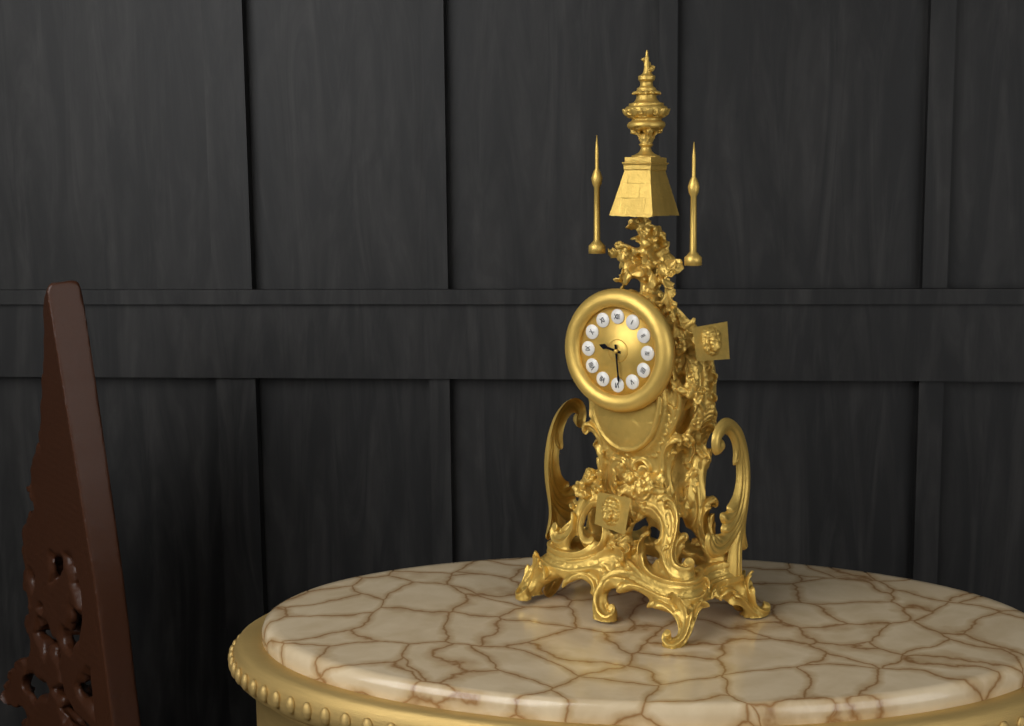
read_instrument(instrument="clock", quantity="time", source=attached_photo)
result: 9:29
